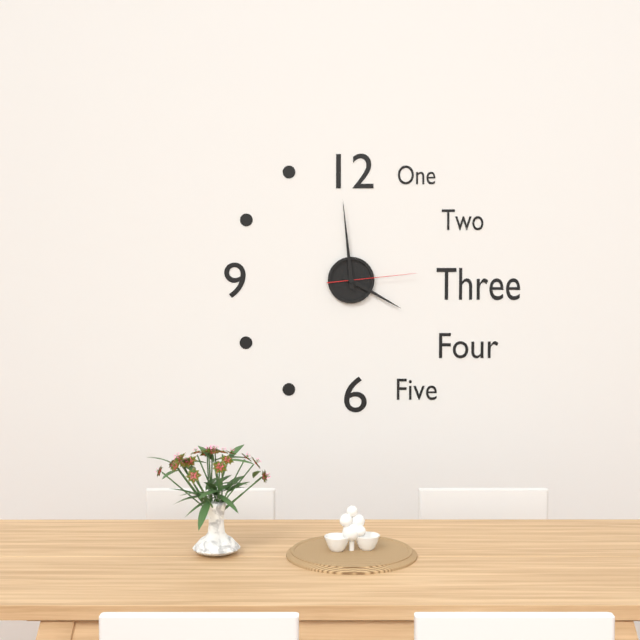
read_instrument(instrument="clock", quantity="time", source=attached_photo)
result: 3:59:14
